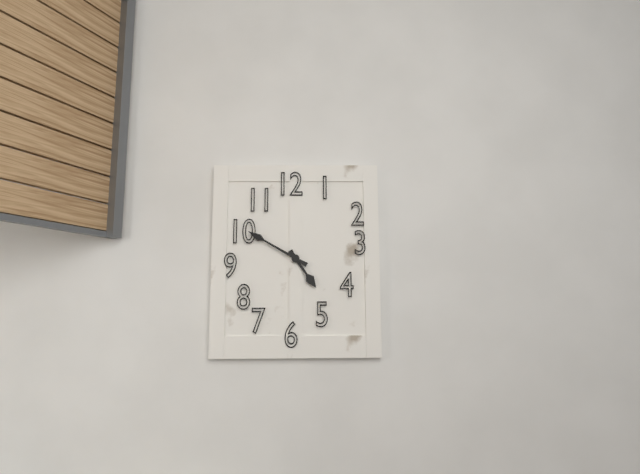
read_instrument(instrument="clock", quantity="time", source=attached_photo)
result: 4:50
